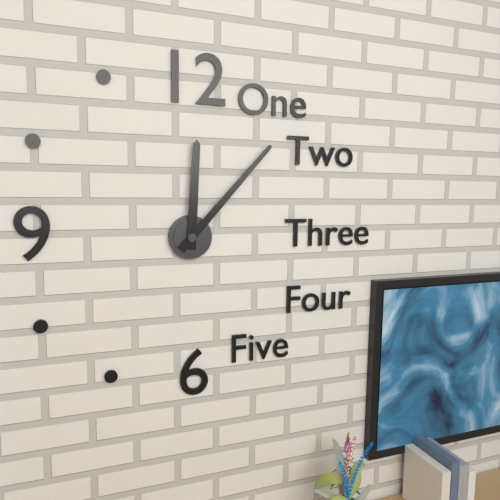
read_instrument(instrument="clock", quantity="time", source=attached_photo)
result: 12:07
